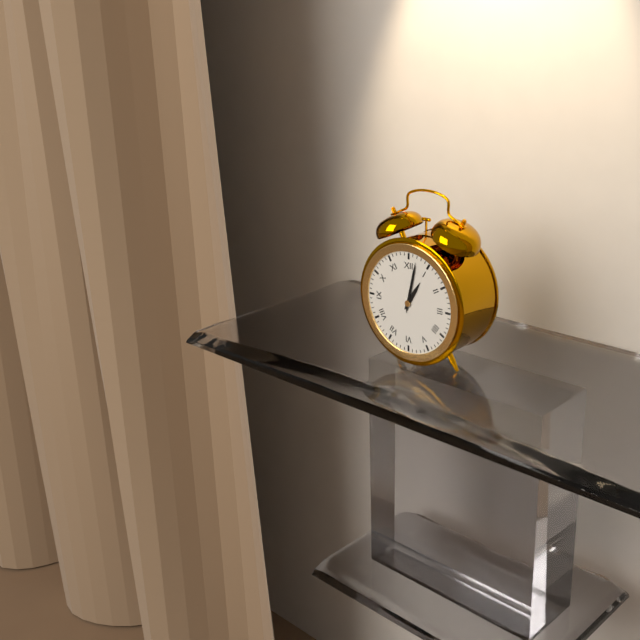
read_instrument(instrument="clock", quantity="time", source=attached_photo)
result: 1:02
